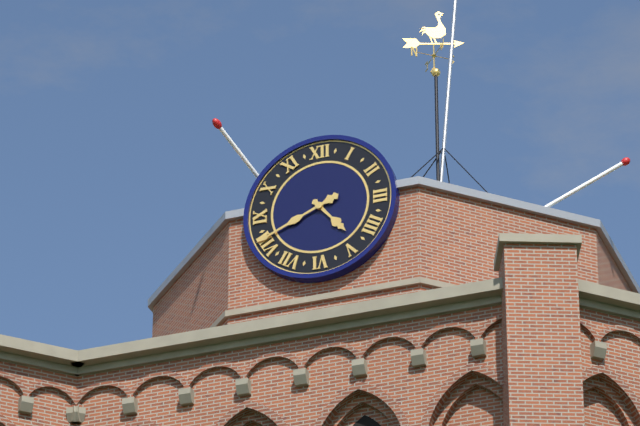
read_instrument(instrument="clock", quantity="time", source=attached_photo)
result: 4:41
